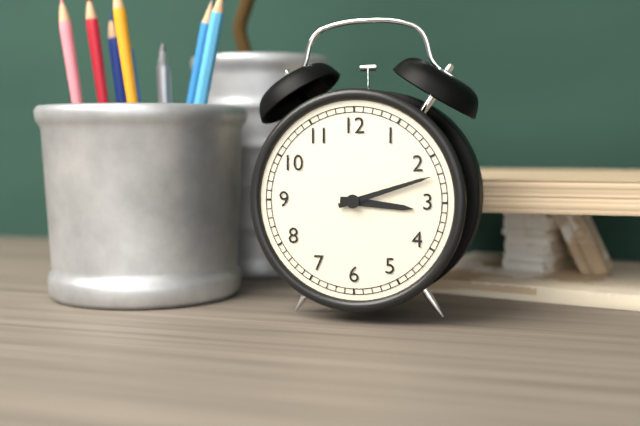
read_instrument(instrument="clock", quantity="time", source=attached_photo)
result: 3:12
